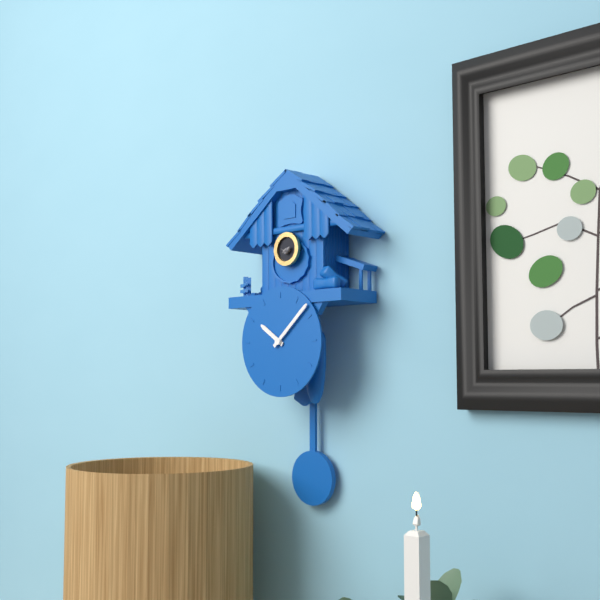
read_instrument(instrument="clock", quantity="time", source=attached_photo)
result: 10:08
